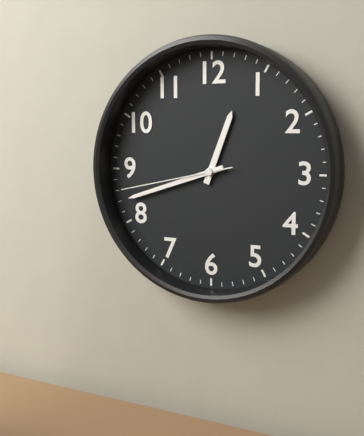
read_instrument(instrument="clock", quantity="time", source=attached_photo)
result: 12:42:43
